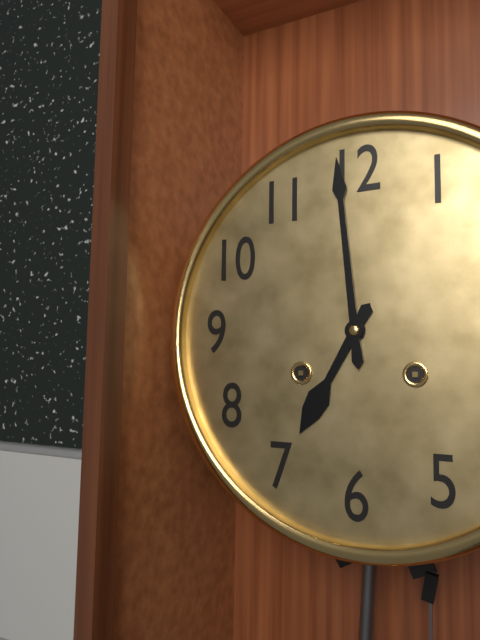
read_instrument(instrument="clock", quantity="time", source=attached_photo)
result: 6:59
